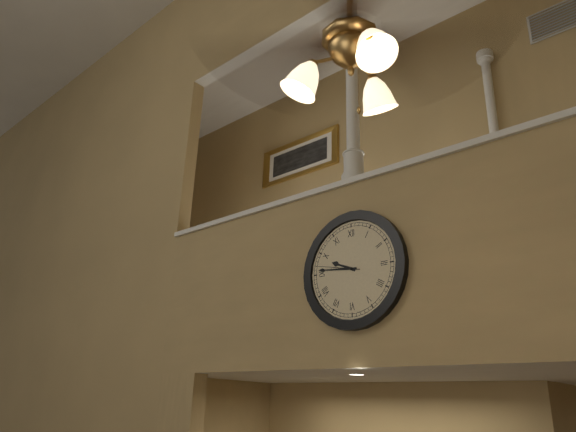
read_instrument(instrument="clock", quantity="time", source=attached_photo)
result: 9:46
